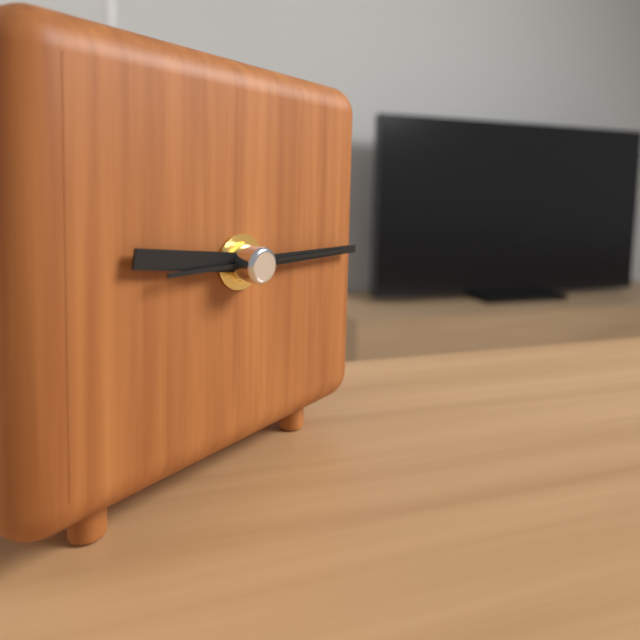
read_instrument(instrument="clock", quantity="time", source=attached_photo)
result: 9:15:15
